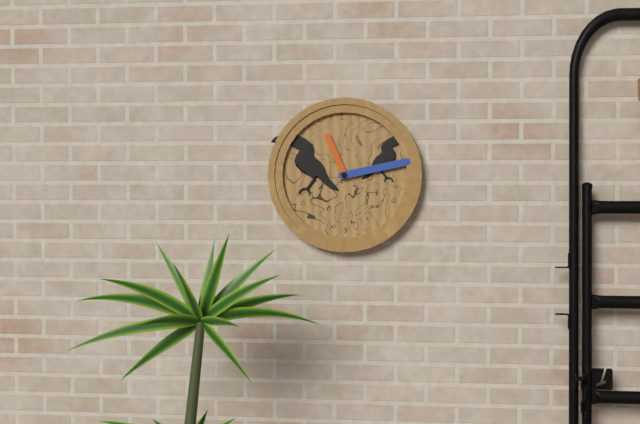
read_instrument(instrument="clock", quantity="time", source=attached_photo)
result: 11:13
